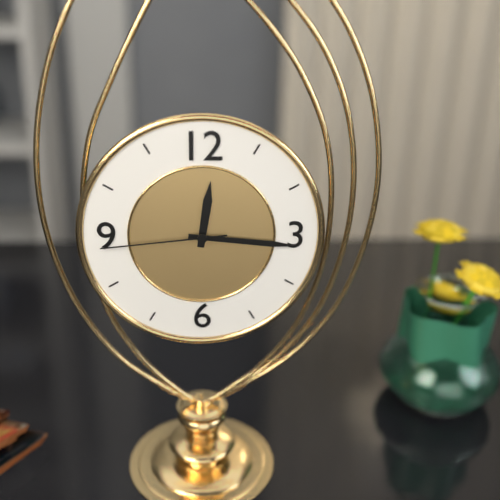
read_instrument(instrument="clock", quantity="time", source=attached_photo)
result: 12:16:44
